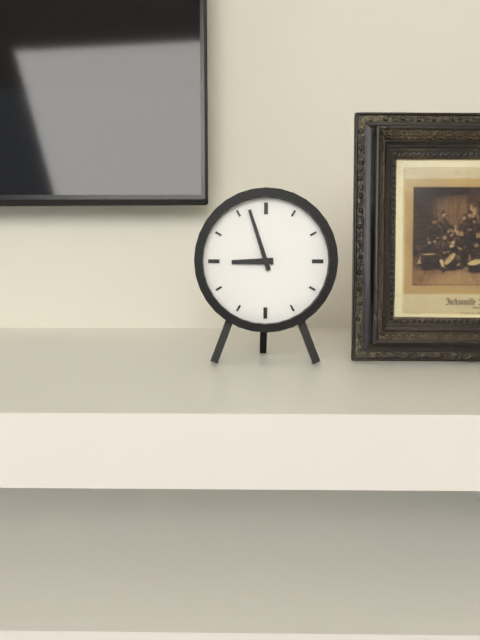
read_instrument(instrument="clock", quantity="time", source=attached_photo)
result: 8:57
